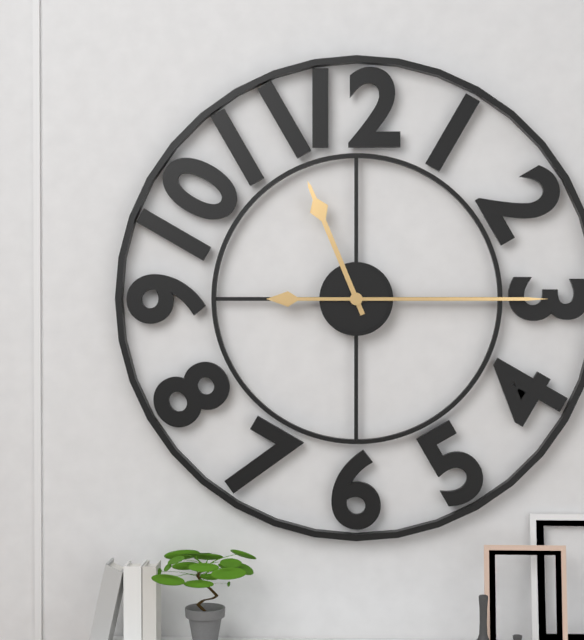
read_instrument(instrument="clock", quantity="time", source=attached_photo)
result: 11:15
